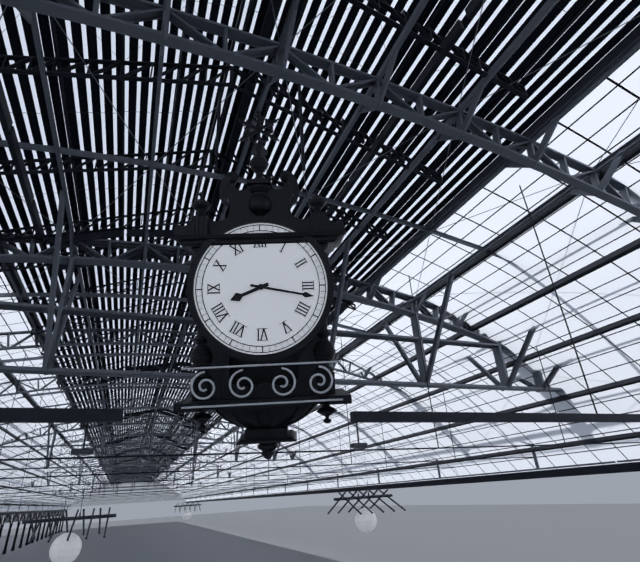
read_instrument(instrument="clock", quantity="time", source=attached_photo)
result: 8:17
